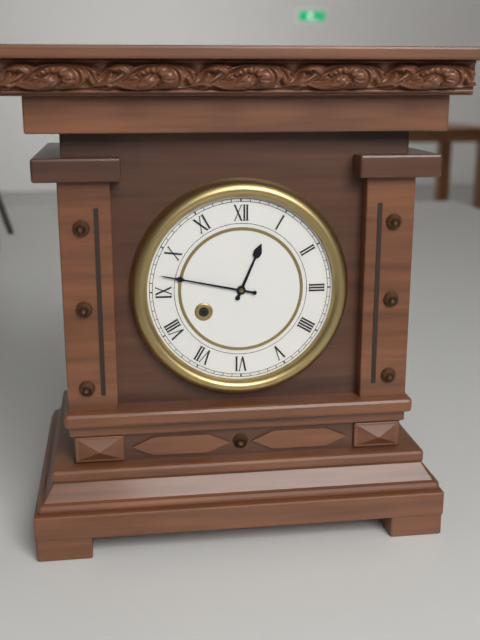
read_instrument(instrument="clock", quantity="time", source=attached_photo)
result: 12:47
